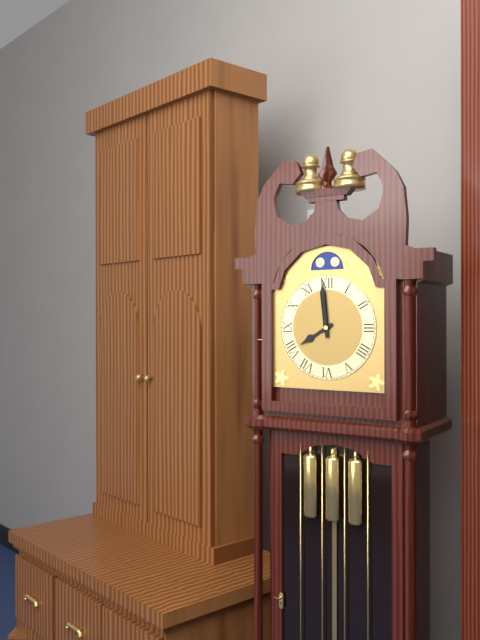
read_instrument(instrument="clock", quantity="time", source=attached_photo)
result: 7:59
